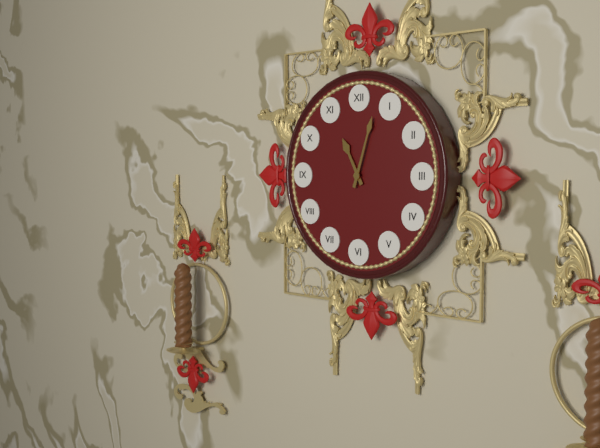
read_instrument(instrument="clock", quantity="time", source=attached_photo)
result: 11:03
